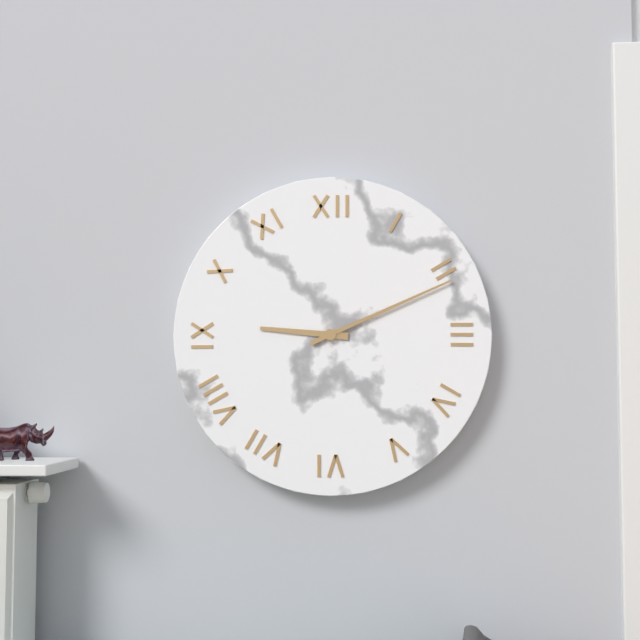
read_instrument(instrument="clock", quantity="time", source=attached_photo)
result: 9:11
